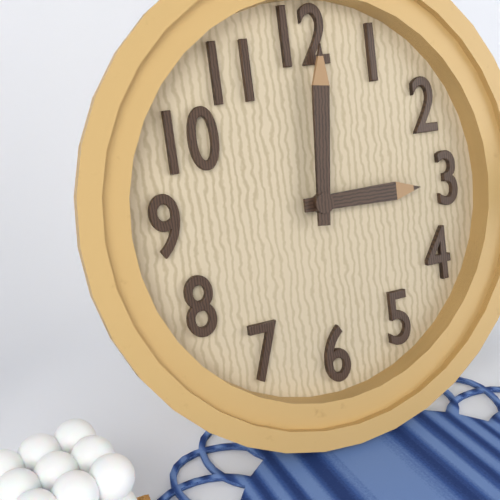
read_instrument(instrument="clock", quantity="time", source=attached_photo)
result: 3:01
